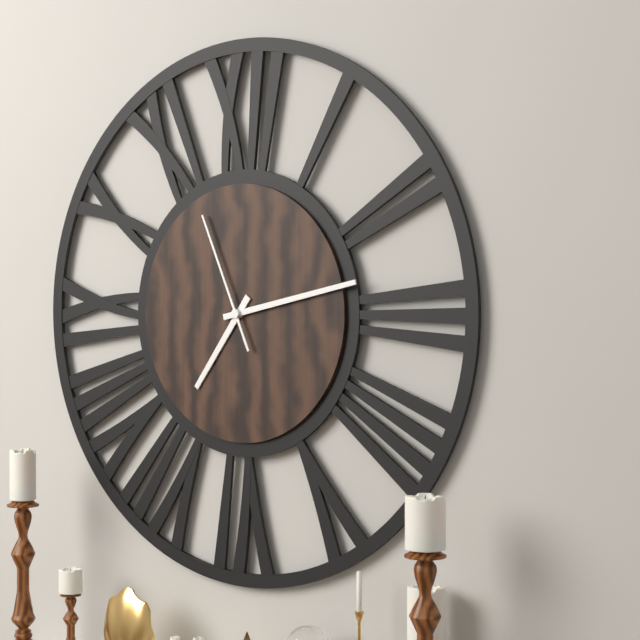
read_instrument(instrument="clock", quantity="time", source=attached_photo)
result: 7:13:56
